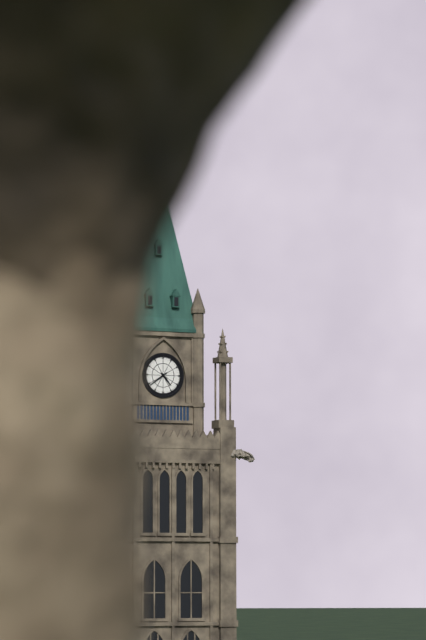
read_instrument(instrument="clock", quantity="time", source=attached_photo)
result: 4:39
